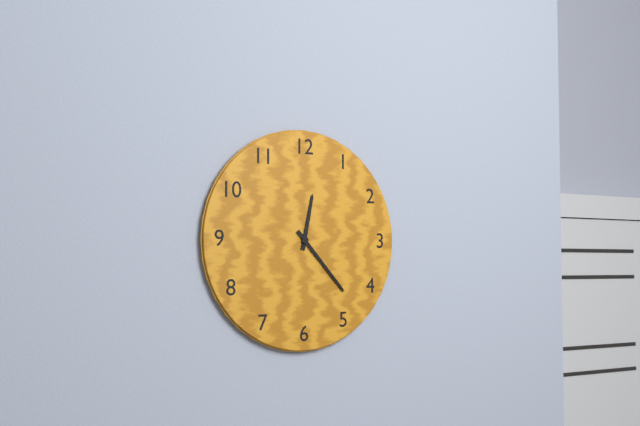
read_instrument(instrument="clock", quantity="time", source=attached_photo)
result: 12:23
